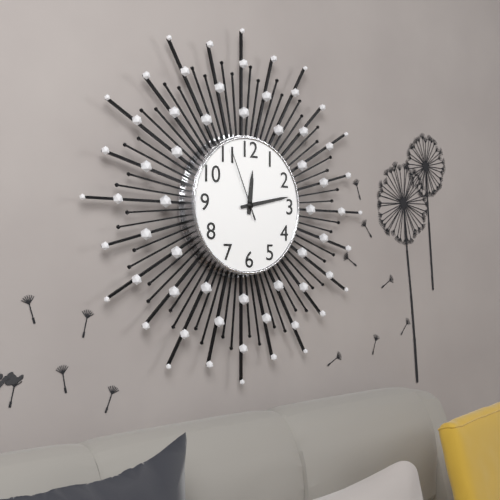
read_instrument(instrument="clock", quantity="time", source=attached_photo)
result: 12:13:56
